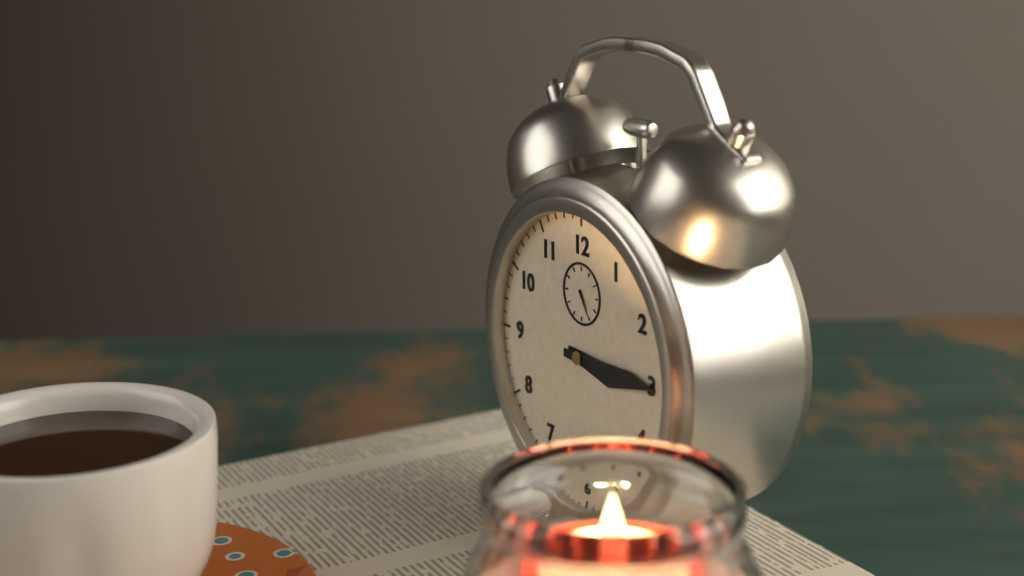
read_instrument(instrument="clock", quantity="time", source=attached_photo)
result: 3:15
